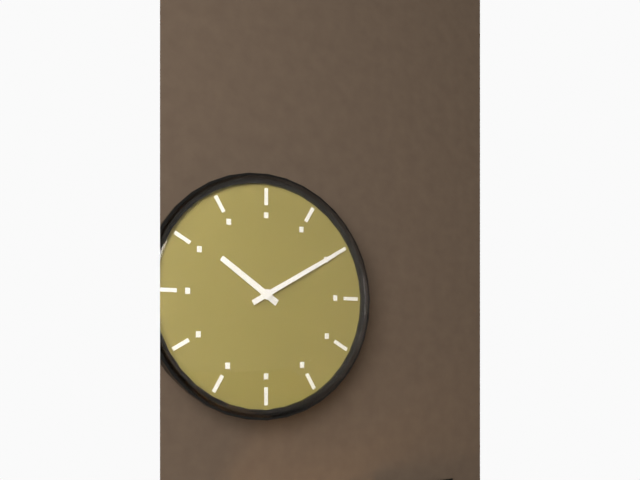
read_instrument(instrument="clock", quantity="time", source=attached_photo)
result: 10:10
